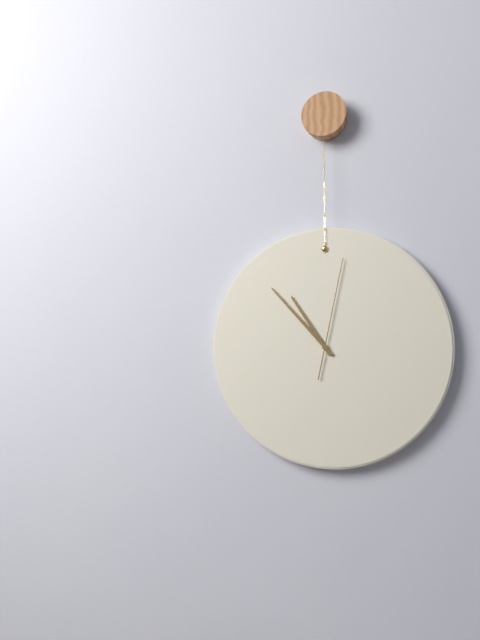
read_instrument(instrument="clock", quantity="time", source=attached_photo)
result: 10:53:02
